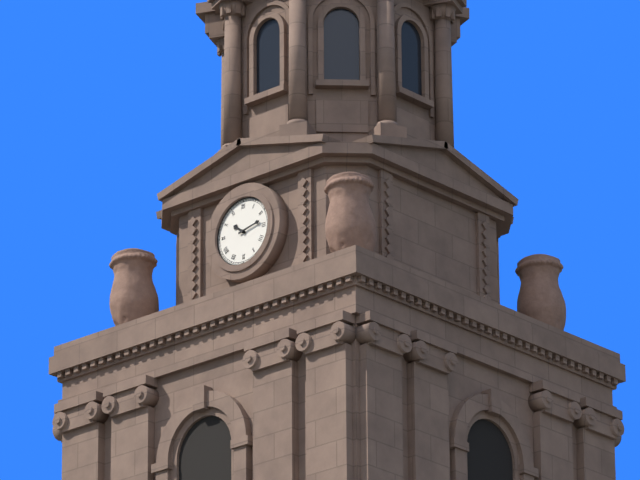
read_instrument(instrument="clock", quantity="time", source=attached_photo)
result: 10:13
